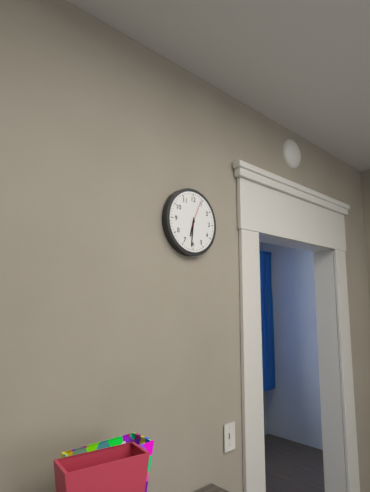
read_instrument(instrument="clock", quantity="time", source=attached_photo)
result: 6:31
